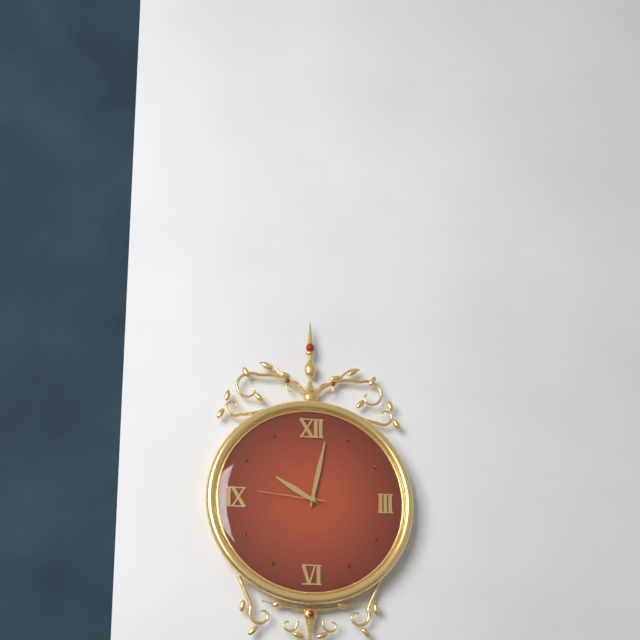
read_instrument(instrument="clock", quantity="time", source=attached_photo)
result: 10:02:46
